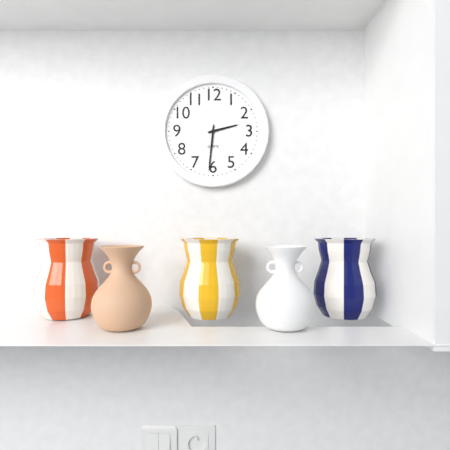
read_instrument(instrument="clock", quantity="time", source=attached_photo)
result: 2:31
